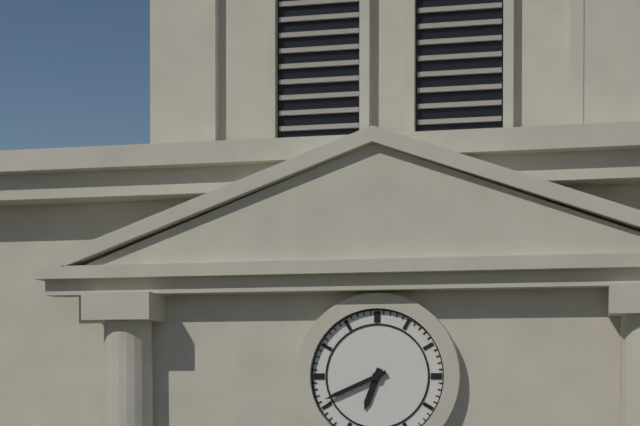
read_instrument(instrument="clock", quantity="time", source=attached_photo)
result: 6:41
